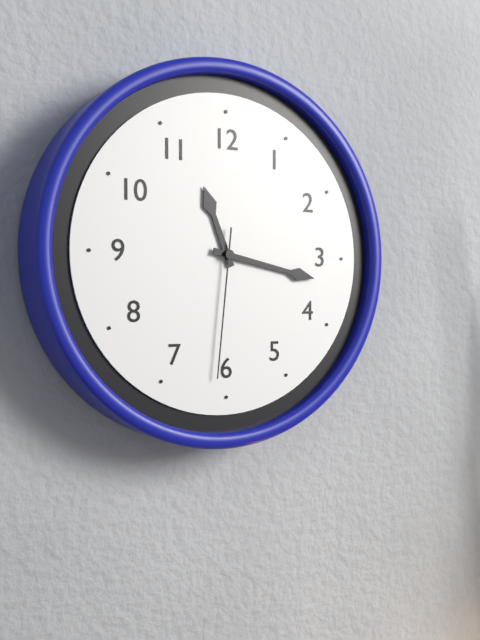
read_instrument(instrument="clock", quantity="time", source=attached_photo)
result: 11:17:31
